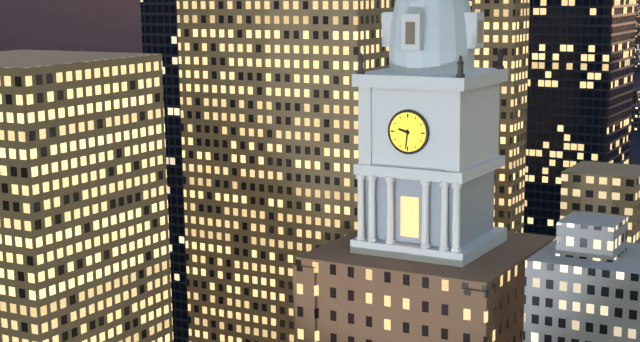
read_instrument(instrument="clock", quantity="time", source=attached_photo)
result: 9:31
